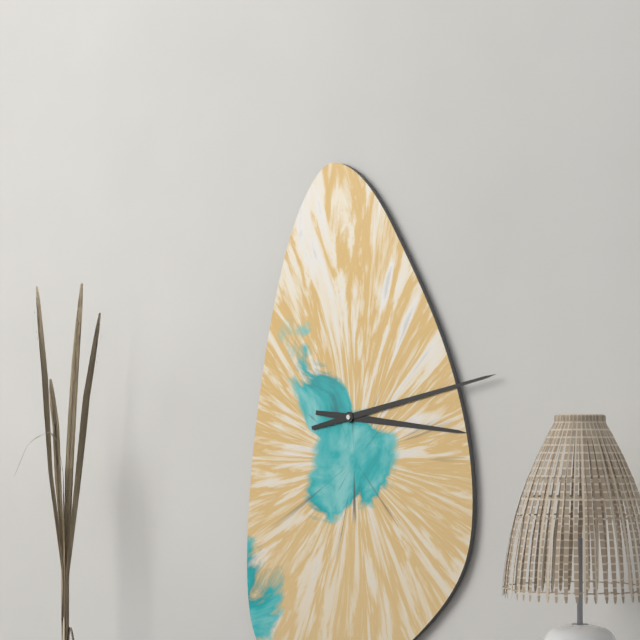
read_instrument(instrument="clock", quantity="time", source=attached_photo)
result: 3:13
